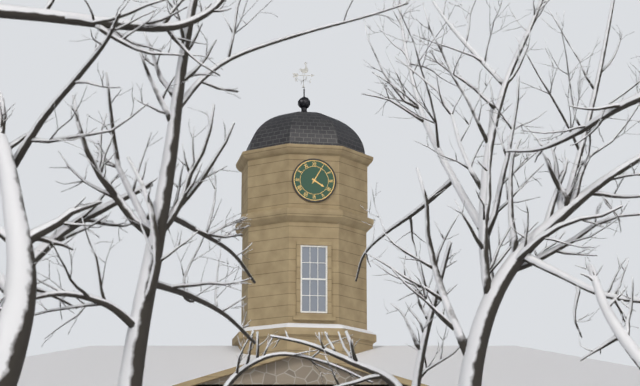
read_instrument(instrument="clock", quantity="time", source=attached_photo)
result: 4:05
